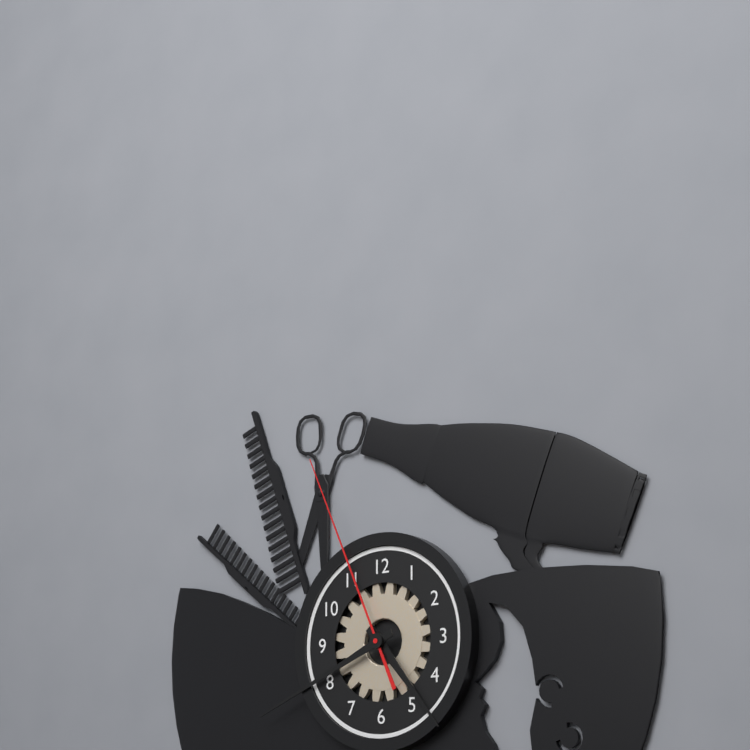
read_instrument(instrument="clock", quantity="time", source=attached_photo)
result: 4:41:56
